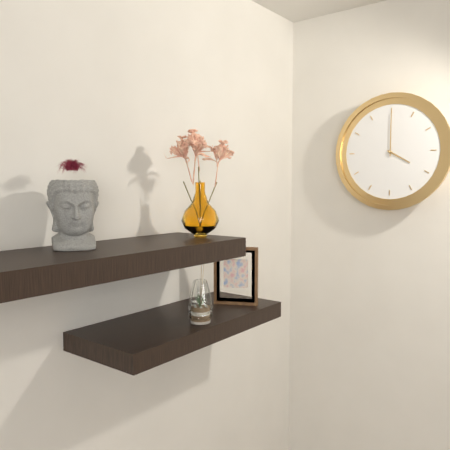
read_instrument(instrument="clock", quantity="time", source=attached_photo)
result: 4:00
